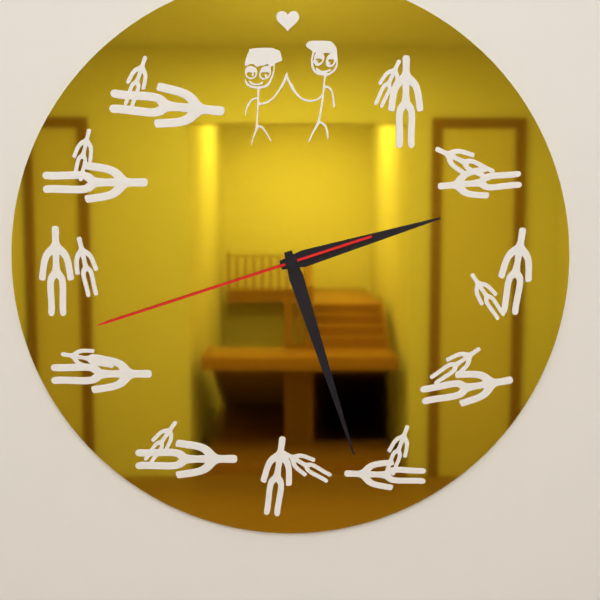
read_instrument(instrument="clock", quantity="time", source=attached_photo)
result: 2:27:42
